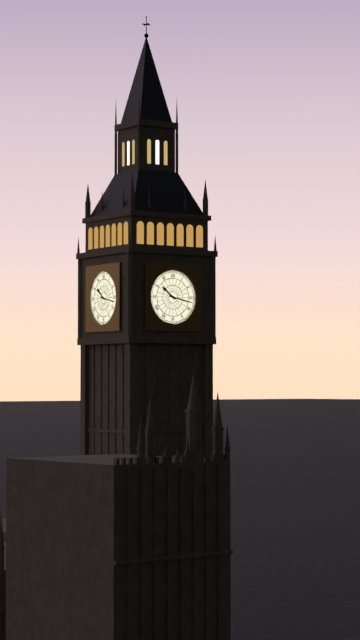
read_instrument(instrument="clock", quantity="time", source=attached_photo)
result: 10:17
